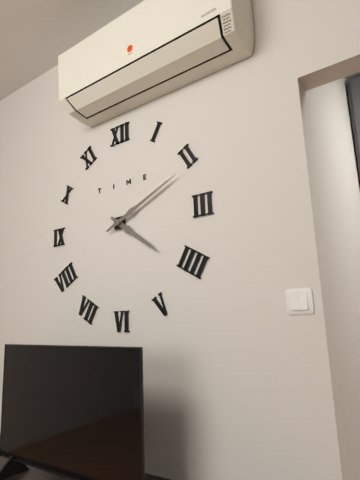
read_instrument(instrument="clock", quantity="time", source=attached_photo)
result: 4:11
